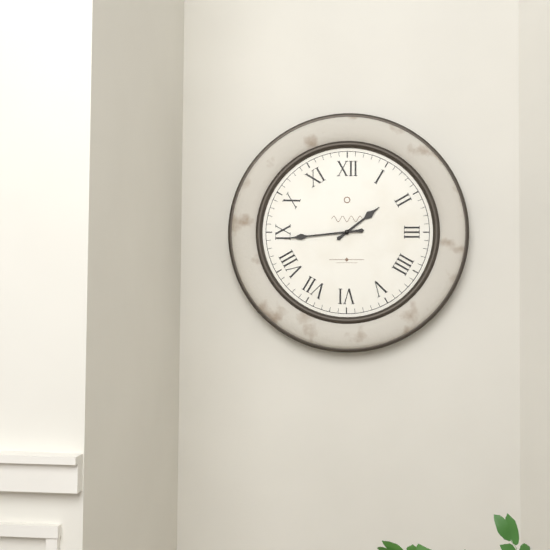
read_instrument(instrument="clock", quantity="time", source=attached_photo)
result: 1:44
